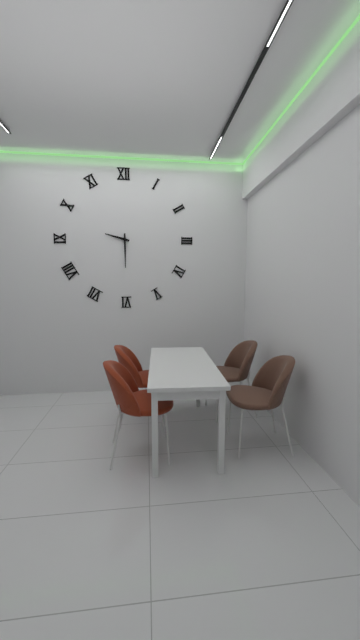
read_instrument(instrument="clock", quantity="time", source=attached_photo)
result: 9:30
